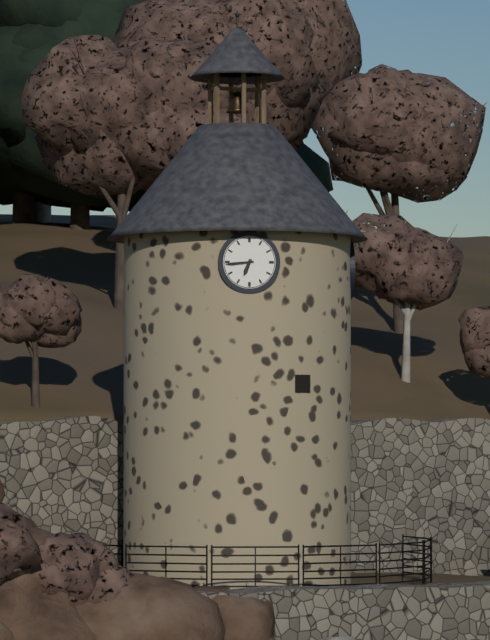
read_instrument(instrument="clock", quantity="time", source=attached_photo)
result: 6:44
